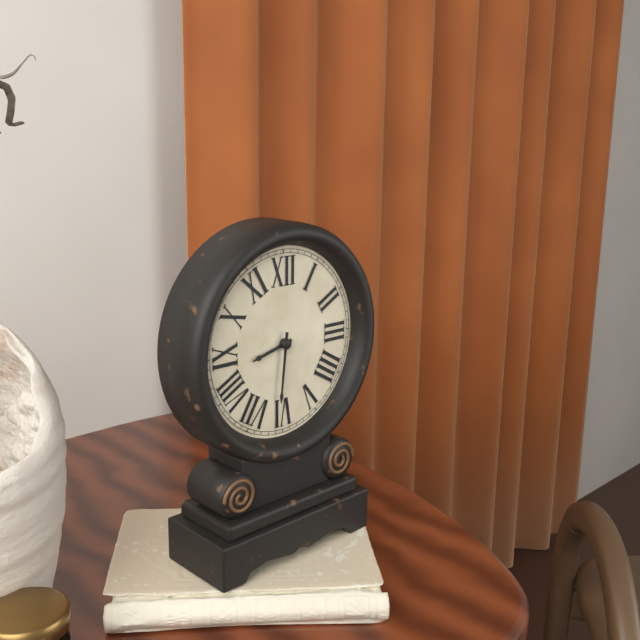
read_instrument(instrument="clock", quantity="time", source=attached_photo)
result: 8:31
